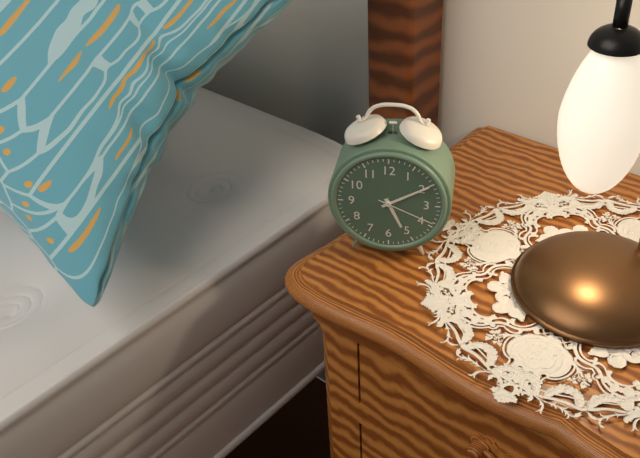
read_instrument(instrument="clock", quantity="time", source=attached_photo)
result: 5:10:19
